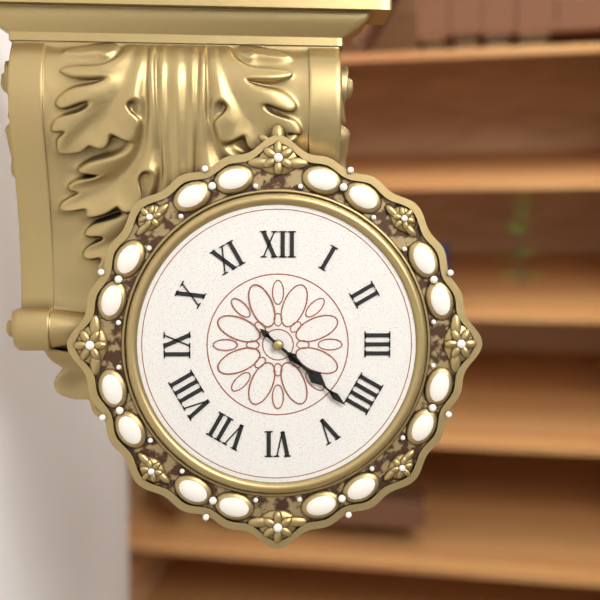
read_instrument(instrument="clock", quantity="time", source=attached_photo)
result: 4:22
